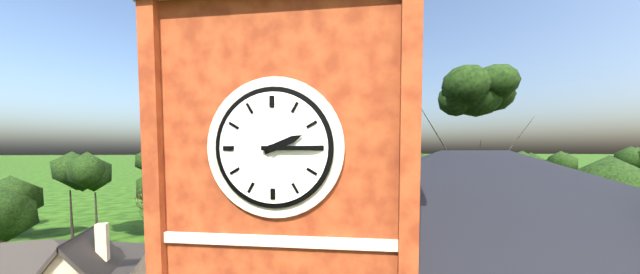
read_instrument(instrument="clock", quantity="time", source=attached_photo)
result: 2:15
